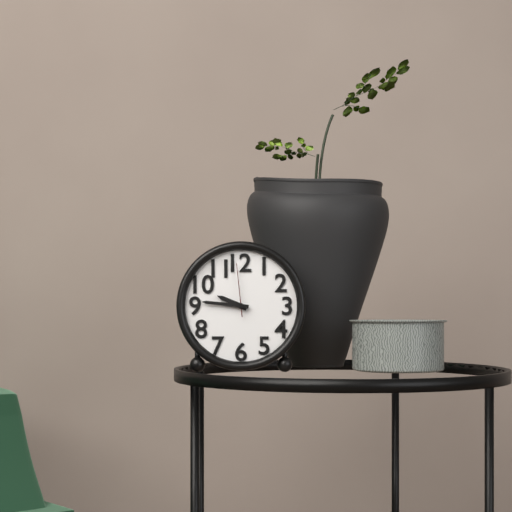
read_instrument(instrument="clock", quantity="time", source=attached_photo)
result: 9:46:59
